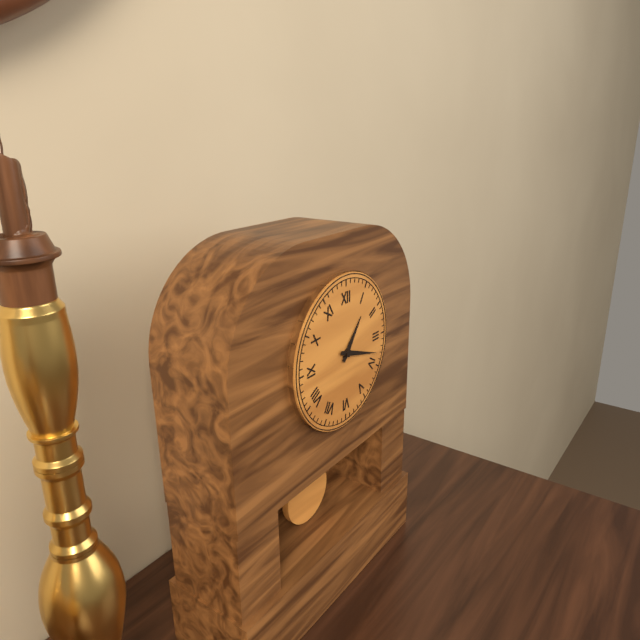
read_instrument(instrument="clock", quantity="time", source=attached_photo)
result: 1:18
